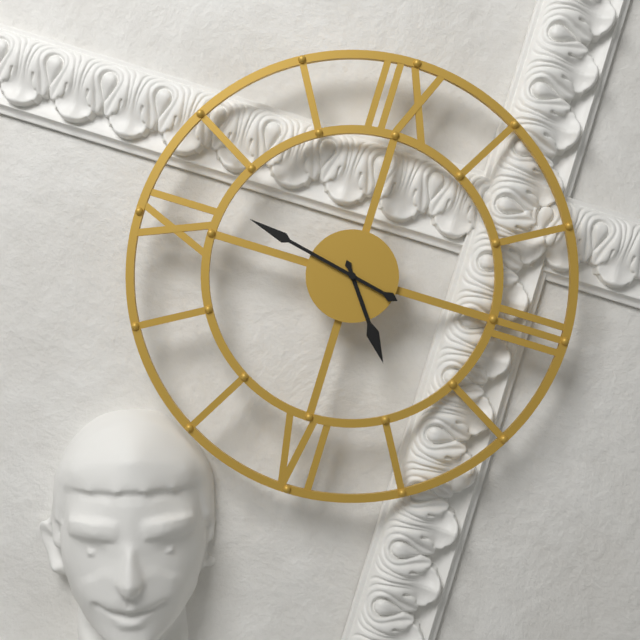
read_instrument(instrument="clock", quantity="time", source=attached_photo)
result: 4:47
